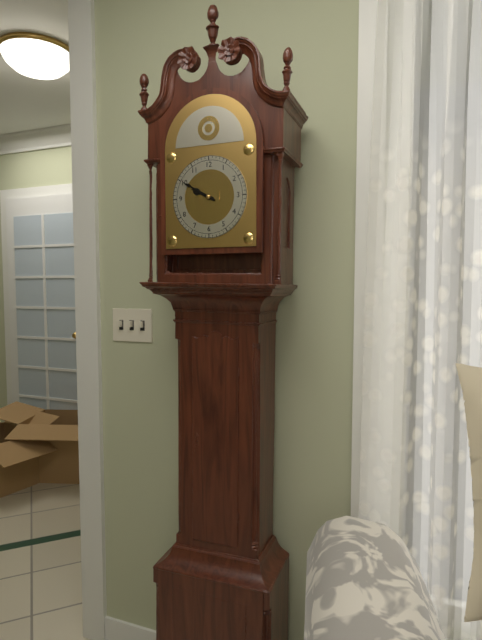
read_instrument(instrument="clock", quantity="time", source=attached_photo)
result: 9:50
